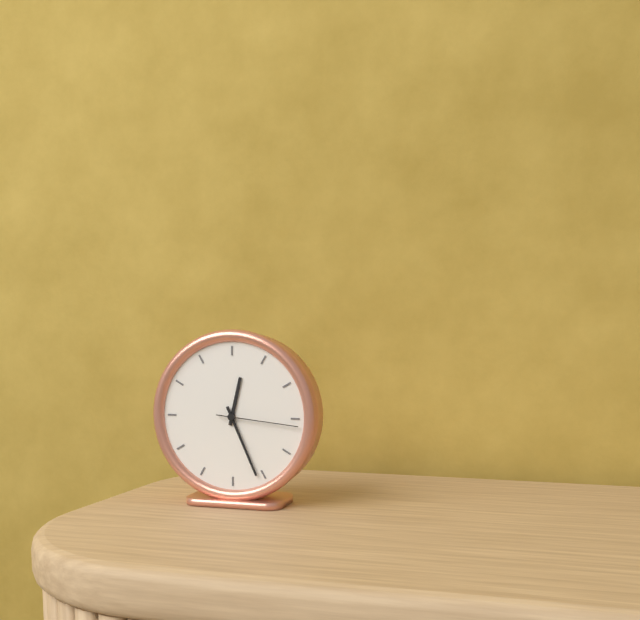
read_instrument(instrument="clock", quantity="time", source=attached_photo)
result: 12:26:16
